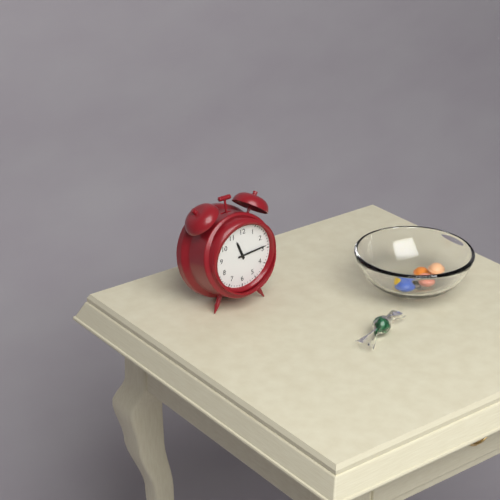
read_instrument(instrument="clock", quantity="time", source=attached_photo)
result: 11:14
